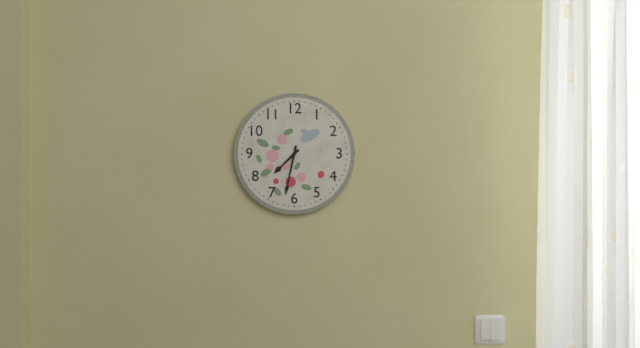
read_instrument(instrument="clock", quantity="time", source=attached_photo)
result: 7:32
